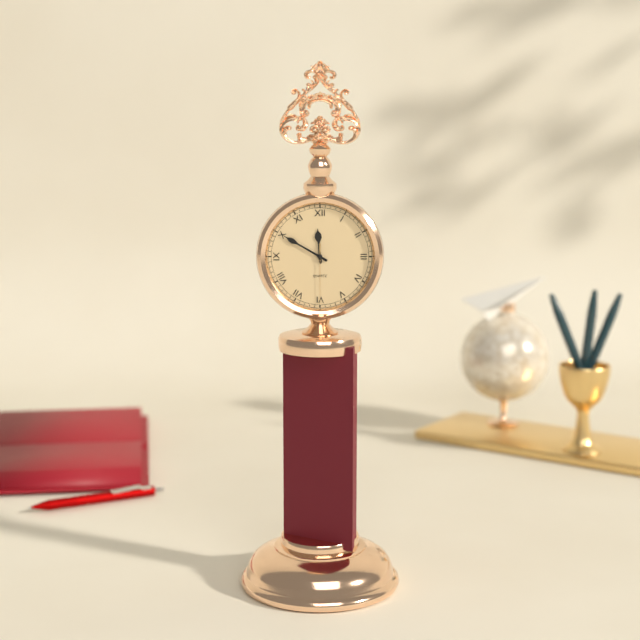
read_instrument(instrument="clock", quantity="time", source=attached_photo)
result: 11:50:30
